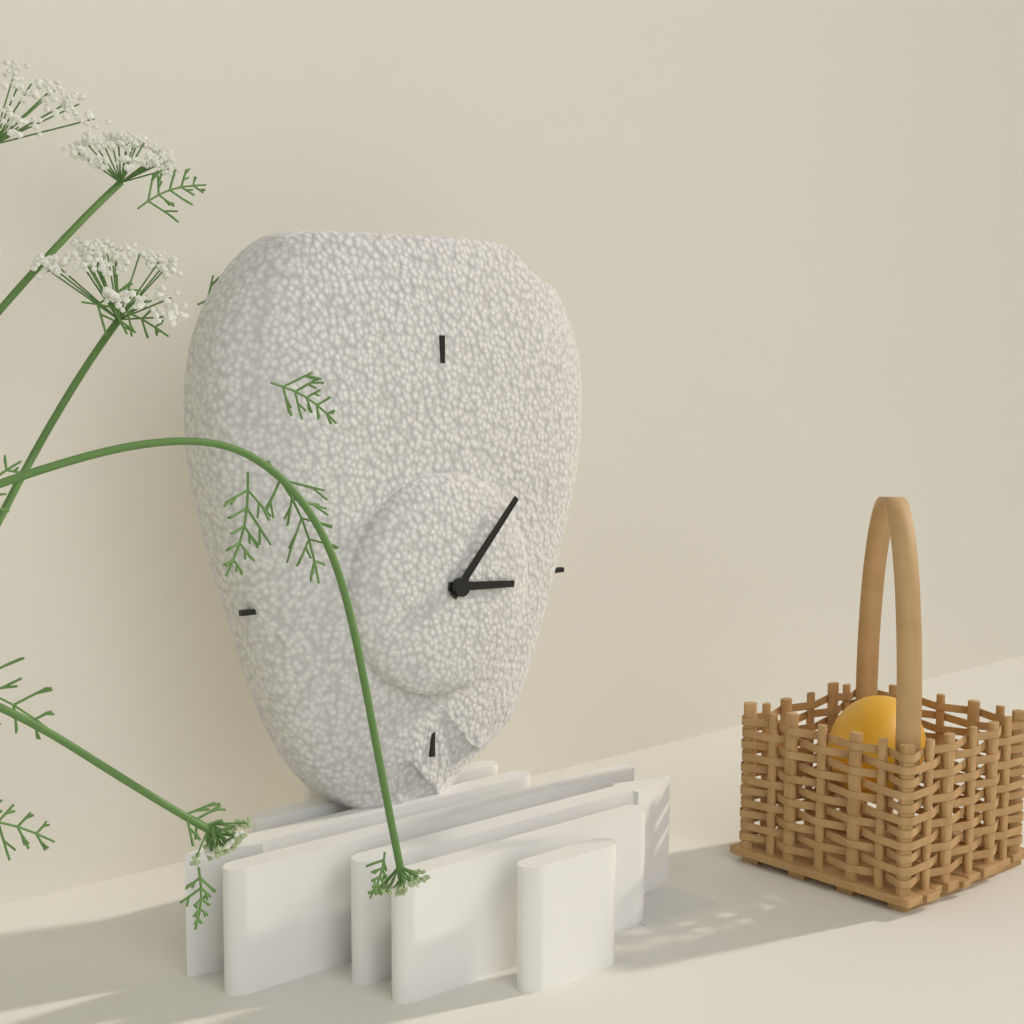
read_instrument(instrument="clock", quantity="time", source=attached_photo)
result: 3:07
